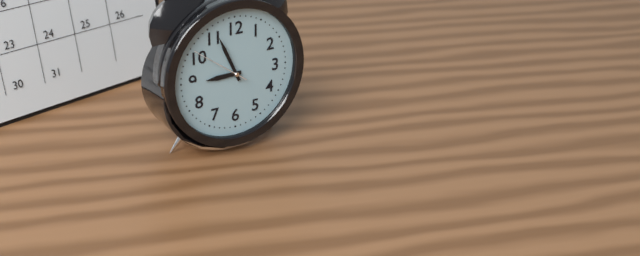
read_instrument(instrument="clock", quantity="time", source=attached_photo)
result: 8:56:51
